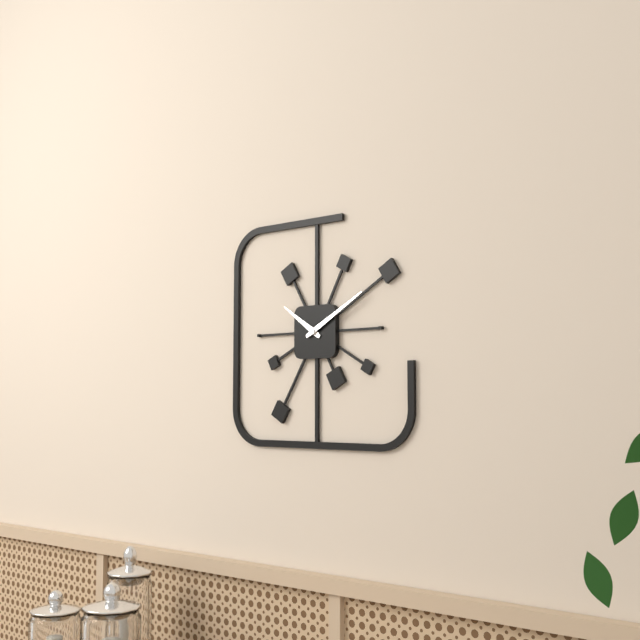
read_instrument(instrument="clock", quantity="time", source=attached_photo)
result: 10:10
